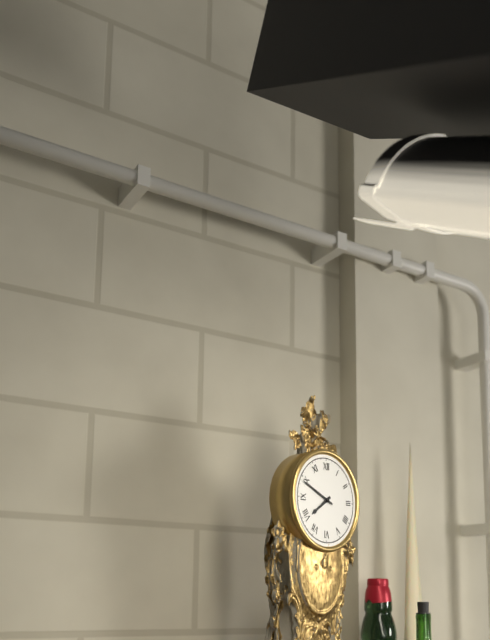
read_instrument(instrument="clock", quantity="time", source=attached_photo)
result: 7:49
